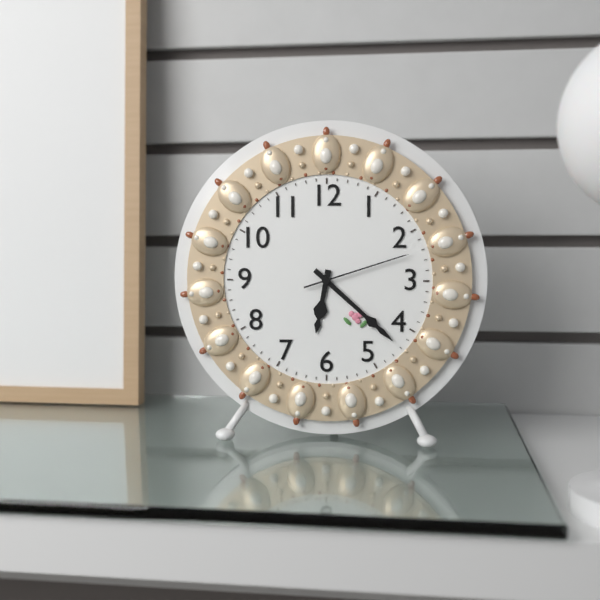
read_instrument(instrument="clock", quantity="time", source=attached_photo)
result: 6:22:12
